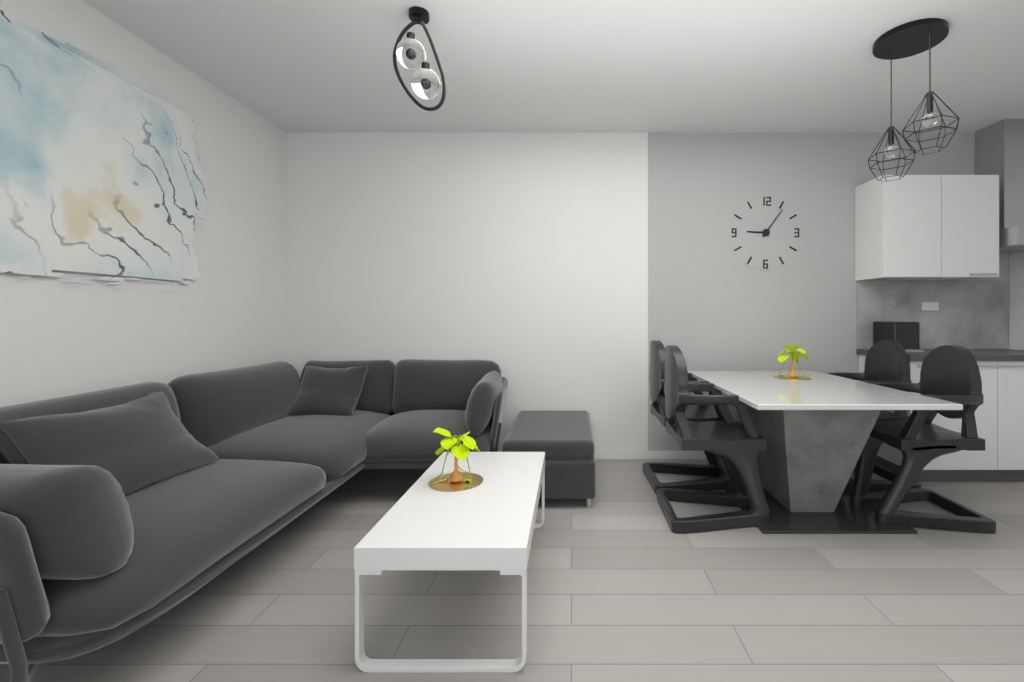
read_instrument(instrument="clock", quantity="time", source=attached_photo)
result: 9:06
